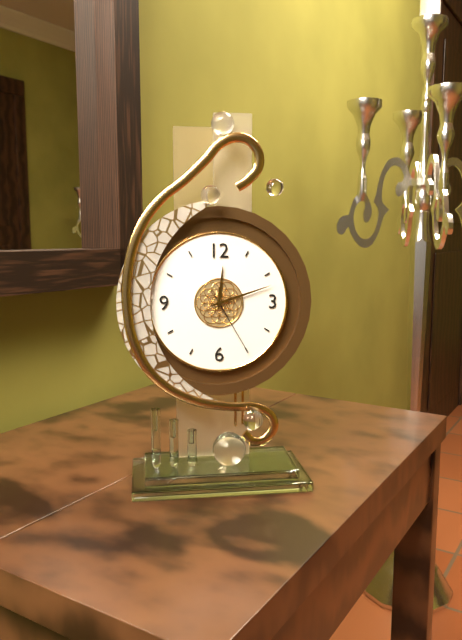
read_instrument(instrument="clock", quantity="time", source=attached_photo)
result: 12:12:25
